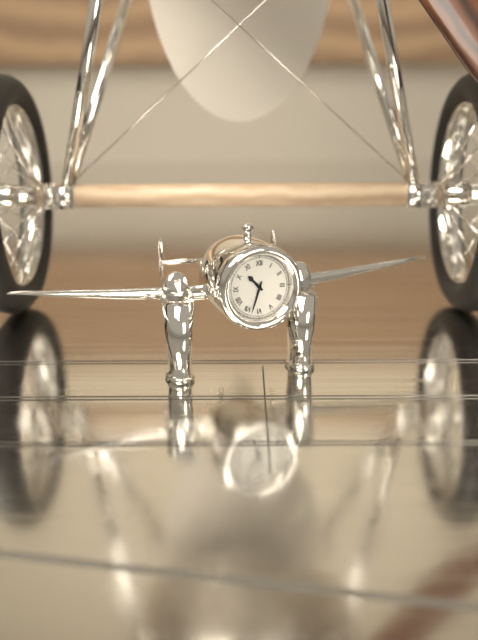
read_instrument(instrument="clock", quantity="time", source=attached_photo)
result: 10:33
